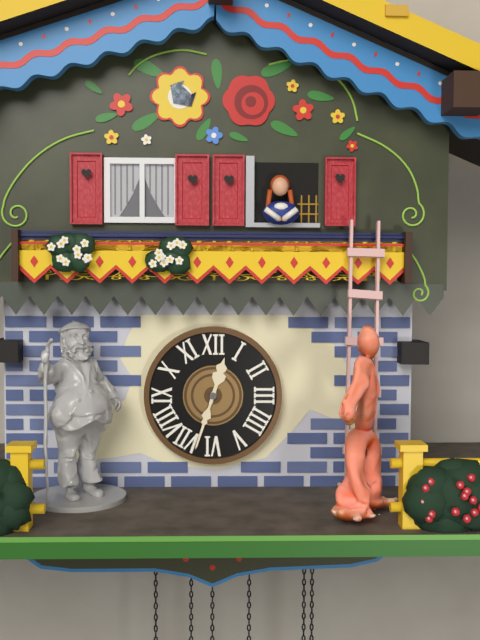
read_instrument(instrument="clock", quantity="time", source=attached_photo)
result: 12:33
